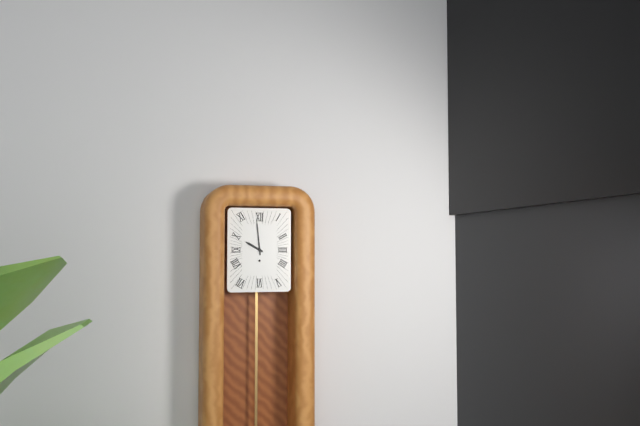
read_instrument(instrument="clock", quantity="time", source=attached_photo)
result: 9:59
